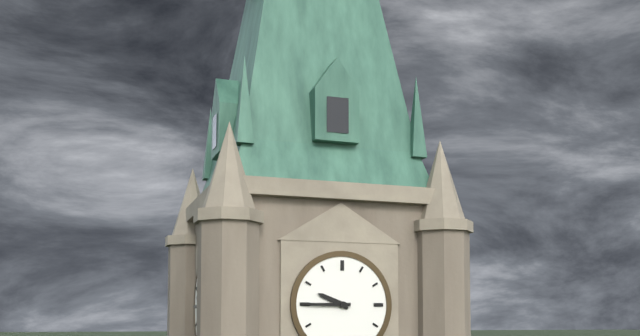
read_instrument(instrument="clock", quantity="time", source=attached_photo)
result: 9:45
